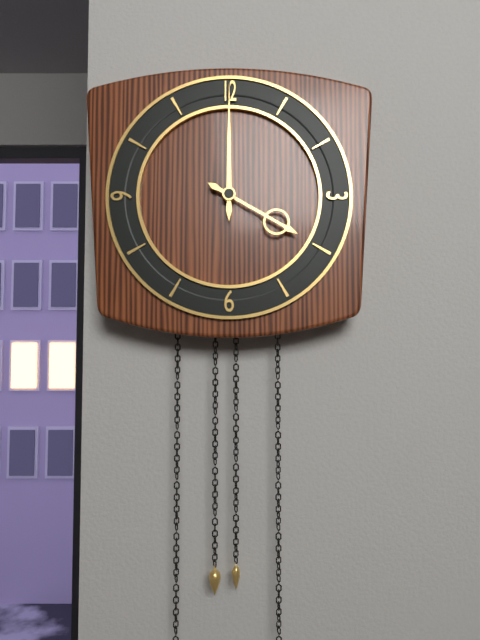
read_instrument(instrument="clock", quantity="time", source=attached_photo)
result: 4:00
